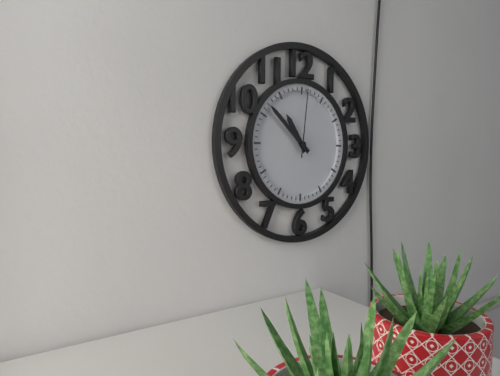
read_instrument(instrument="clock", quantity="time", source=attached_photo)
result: 10:52:01
